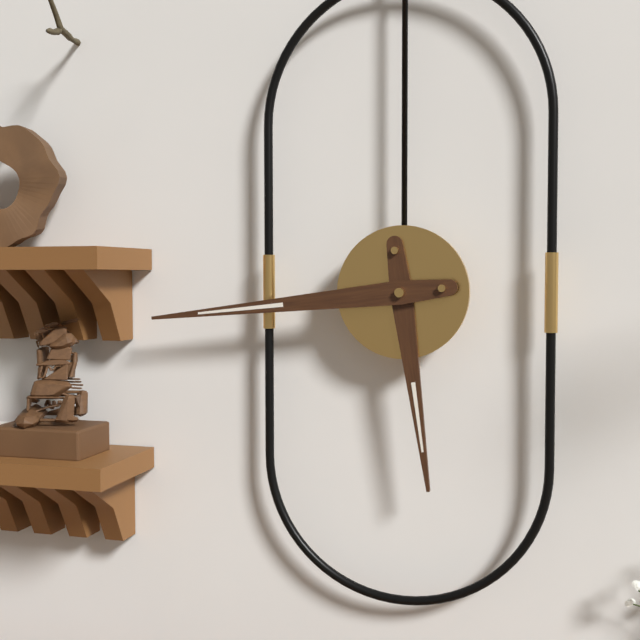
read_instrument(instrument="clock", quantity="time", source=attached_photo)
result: 5:44
